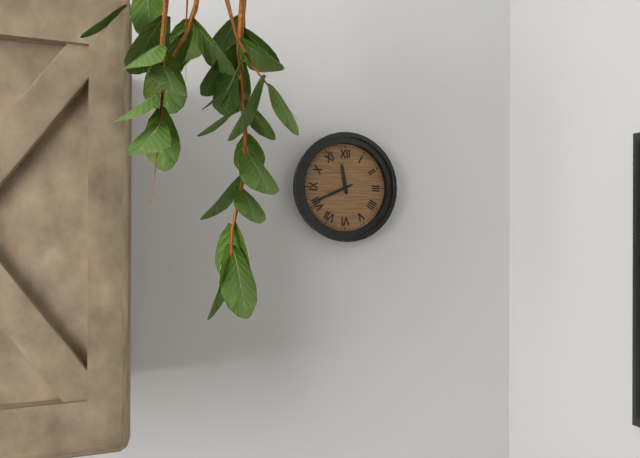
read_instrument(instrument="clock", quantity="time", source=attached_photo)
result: 11:41
